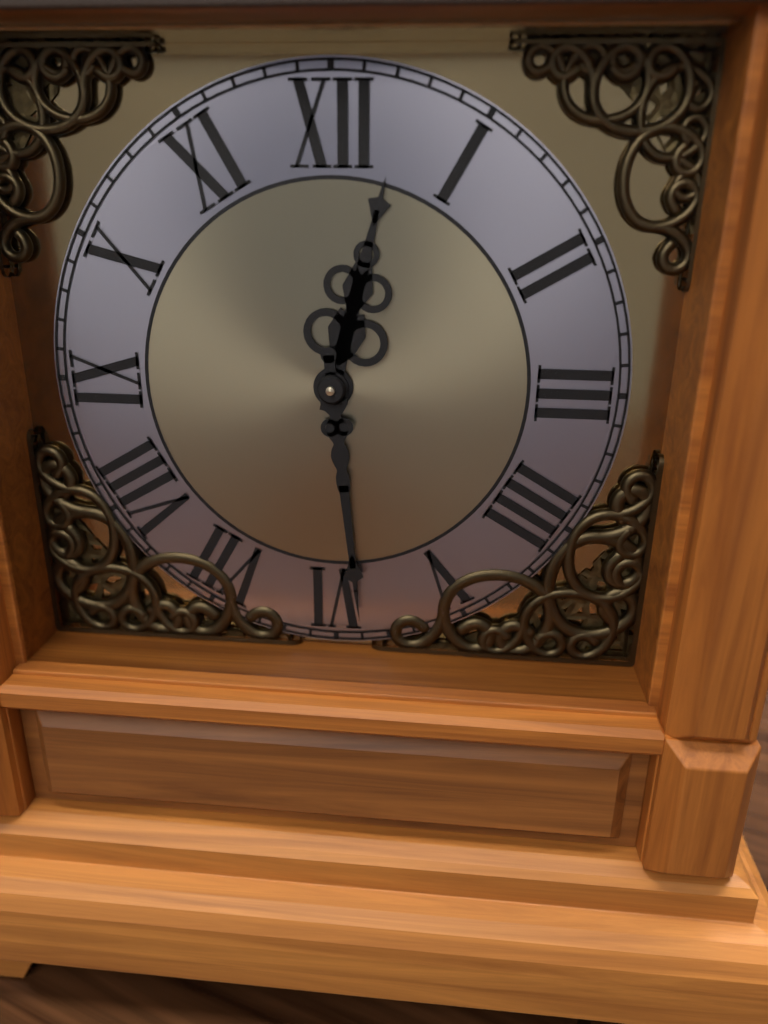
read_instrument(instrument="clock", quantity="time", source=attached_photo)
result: 12:29
